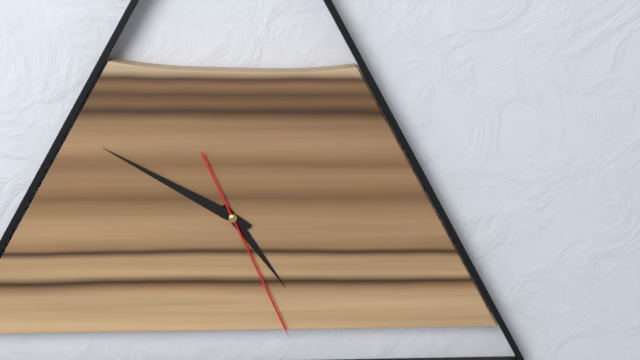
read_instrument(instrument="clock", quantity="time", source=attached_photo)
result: 4:50:26
